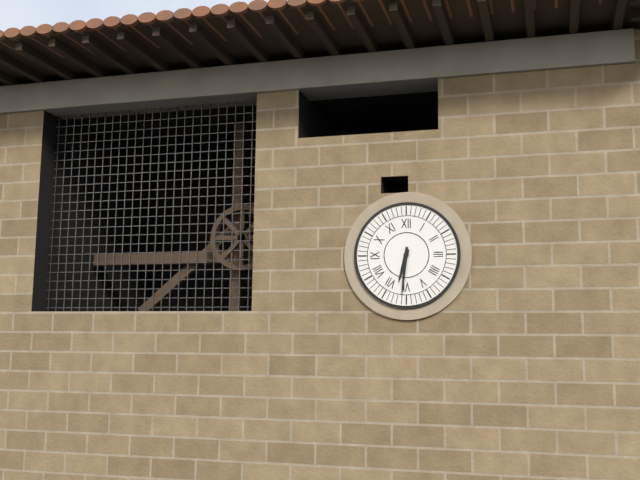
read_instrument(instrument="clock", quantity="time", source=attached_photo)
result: 6:31
